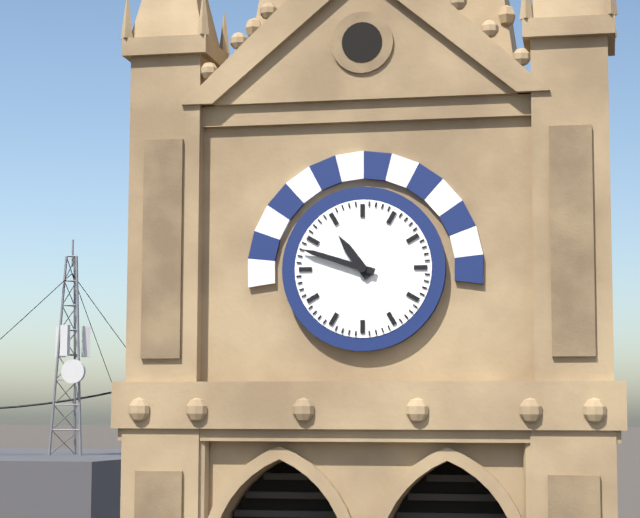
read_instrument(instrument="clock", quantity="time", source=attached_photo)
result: 10:48
